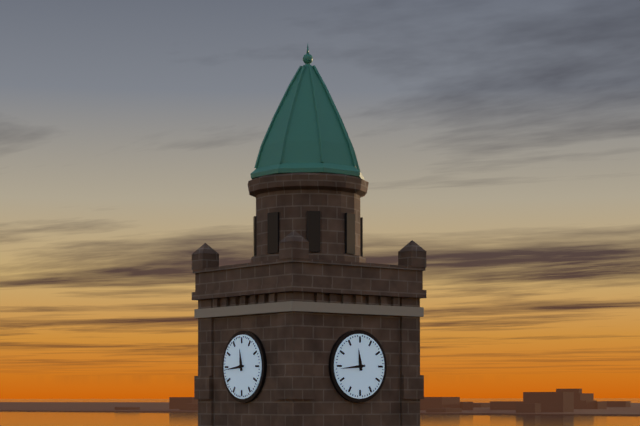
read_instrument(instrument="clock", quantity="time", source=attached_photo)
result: 11:44
